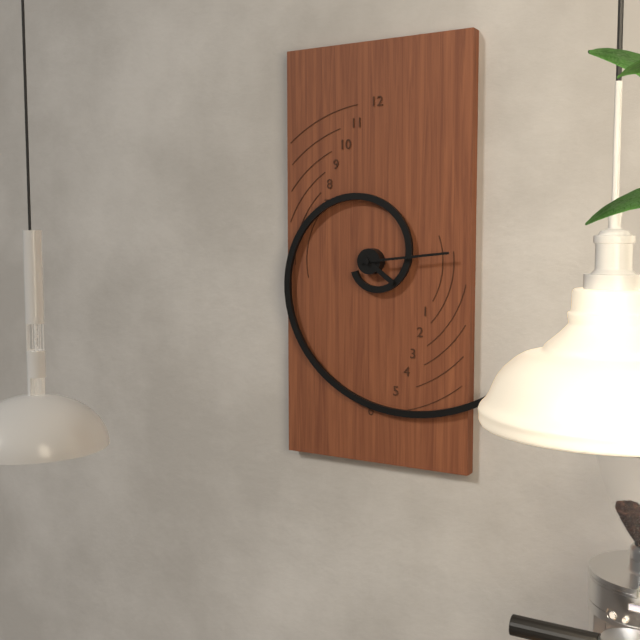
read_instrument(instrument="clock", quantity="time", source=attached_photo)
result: 4:14
